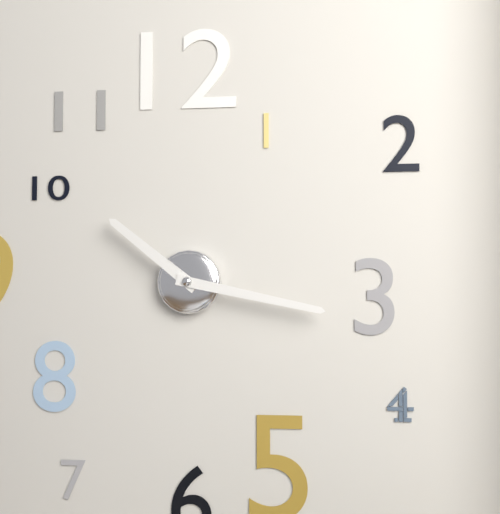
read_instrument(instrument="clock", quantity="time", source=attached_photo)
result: 10:17
